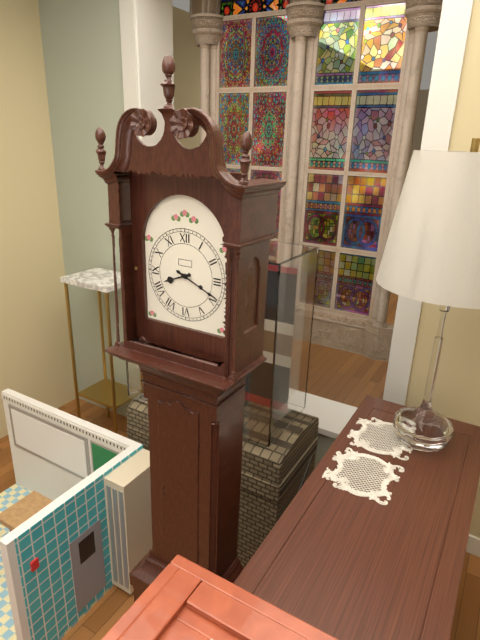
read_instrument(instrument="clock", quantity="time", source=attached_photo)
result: 8:19
